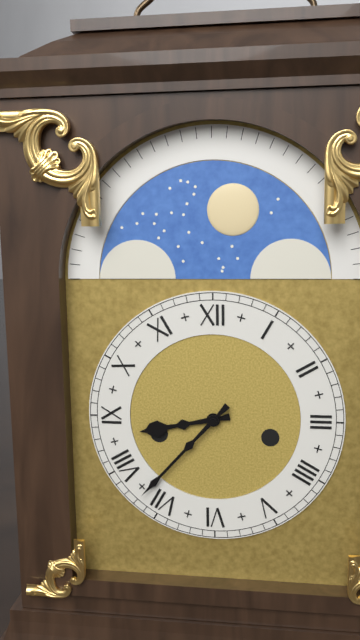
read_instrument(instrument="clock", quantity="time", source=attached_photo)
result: 8:37
